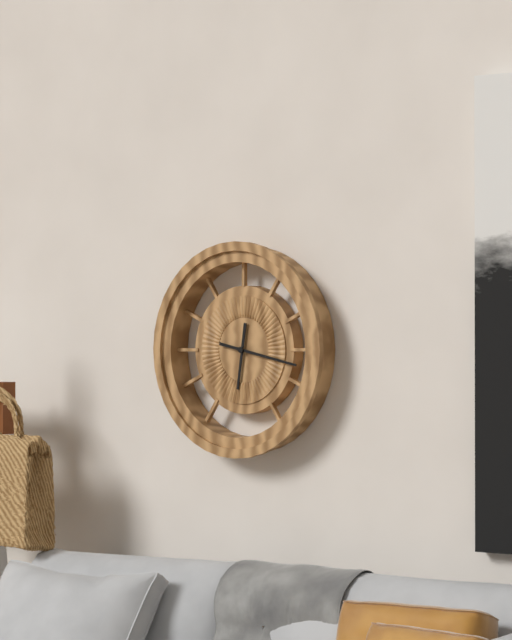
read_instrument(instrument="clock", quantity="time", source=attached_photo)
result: 6:17
